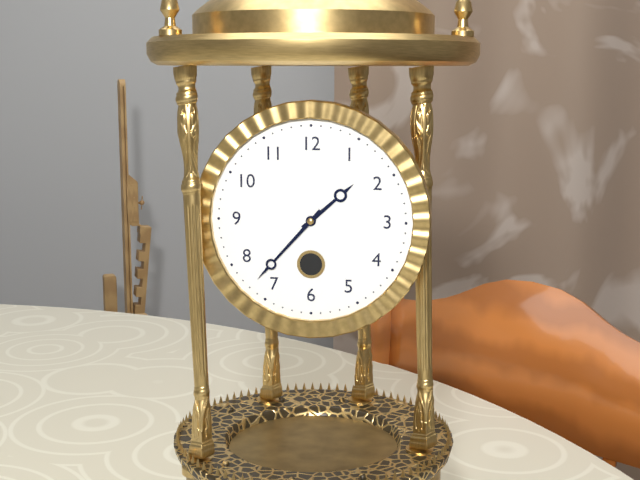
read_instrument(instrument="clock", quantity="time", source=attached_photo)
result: 1:37
